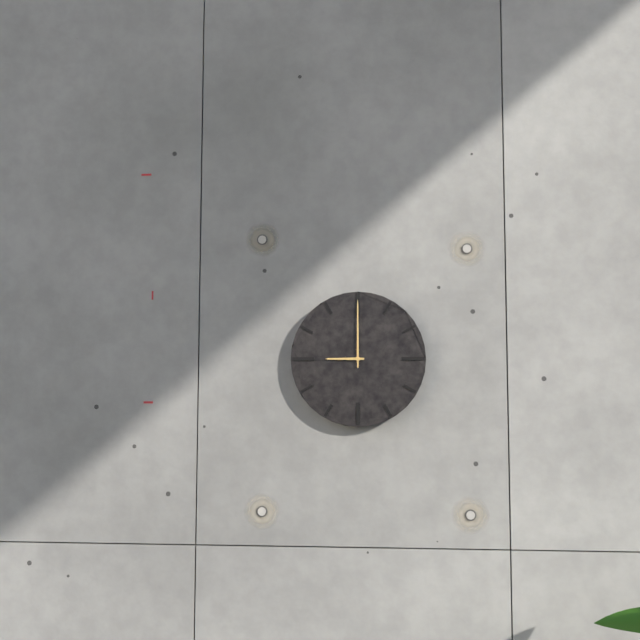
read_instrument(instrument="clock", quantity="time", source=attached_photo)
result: 9:00
